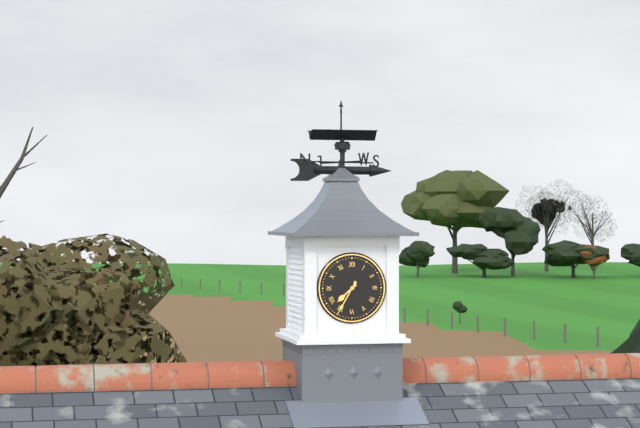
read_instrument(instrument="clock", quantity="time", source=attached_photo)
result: 7:35
